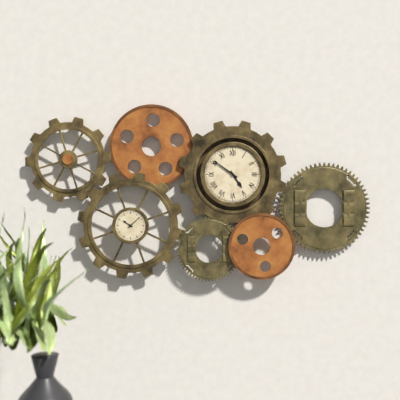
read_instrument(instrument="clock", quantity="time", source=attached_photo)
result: 4:51
